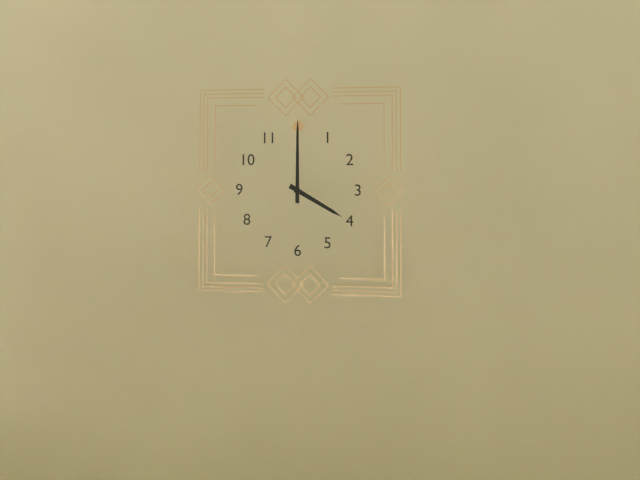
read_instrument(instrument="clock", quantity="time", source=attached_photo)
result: 4:00
